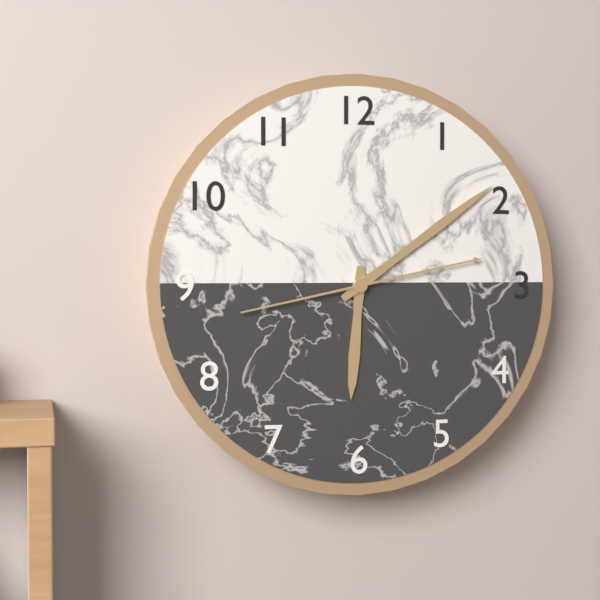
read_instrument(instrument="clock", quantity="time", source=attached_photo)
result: 6:09:13
